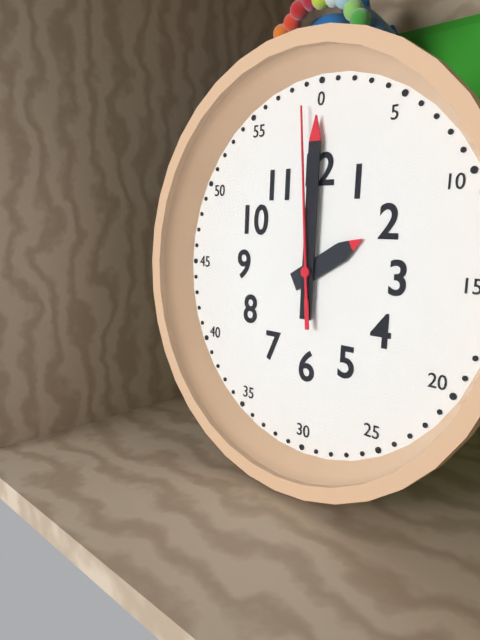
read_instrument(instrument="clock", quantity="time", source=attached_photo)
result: 2:00:59
